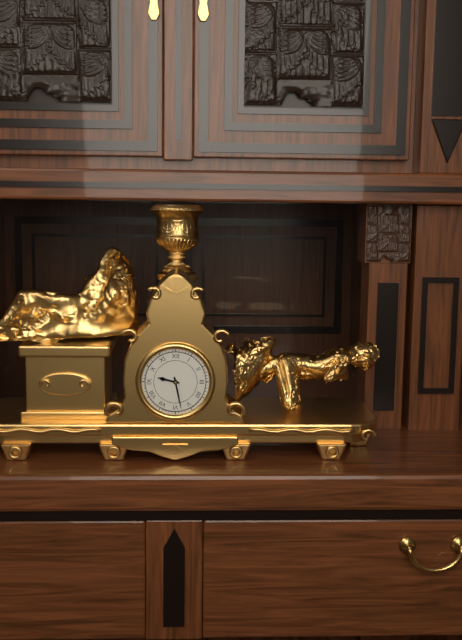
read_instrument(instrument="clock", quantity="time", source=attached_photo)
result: 9:28
